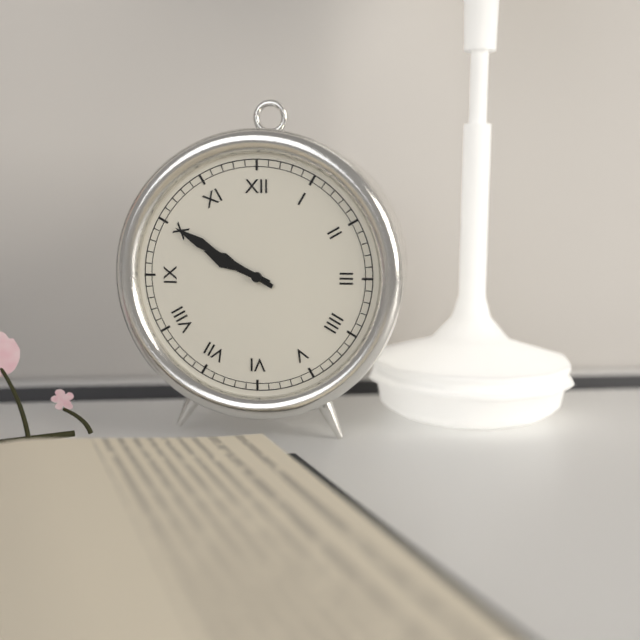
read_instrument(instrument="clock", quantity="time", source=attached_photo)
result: 9:50
